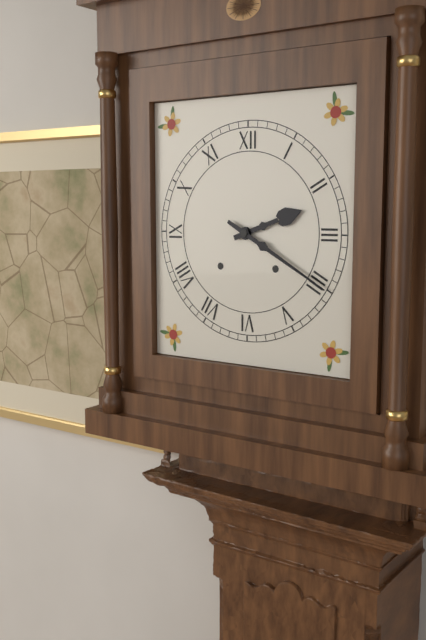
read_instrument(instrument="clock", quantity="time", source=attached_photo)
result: 2:20
